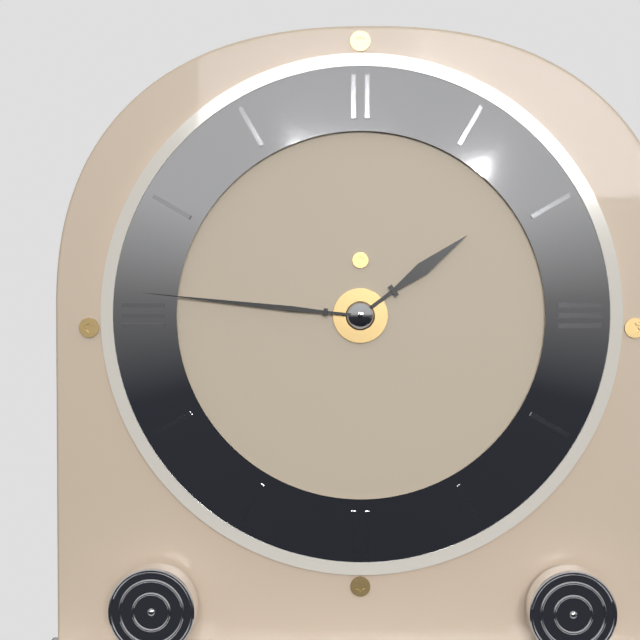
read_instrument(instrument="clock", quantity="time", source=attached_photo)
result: 1:46
